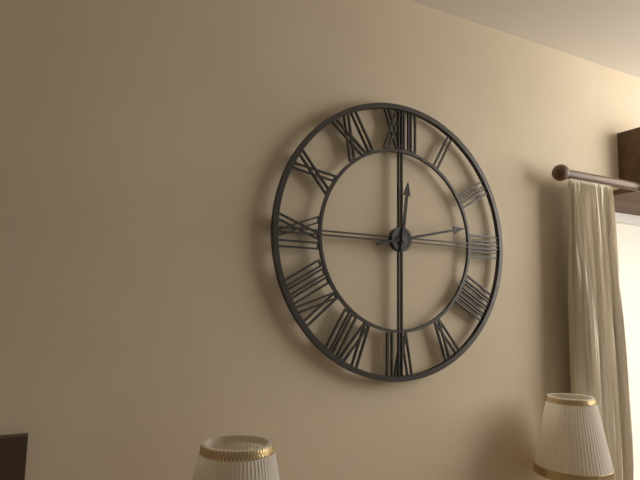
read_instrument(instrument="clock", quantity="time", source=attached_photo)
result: 12:13
